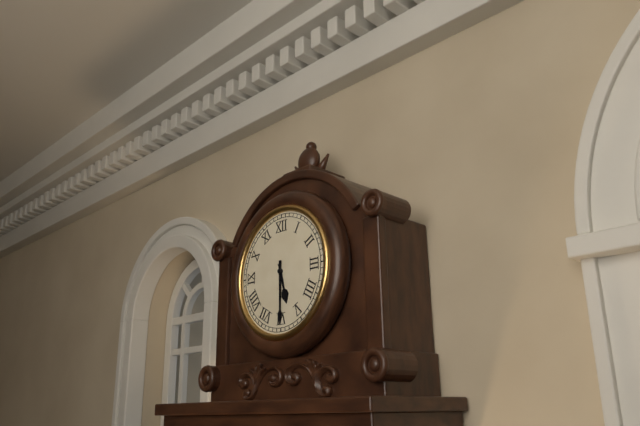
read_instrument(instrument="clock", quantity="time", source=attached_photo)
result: 5:30
